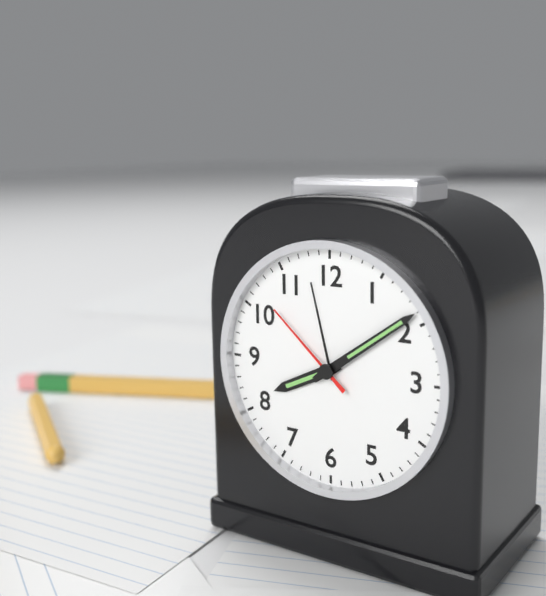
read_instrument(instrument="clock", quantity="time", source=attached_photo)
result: 8:09:52
